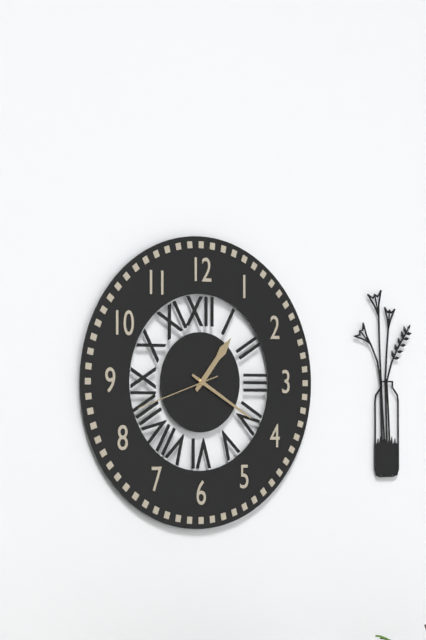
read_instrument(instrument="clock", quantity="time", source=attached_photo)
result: 1:20:42
